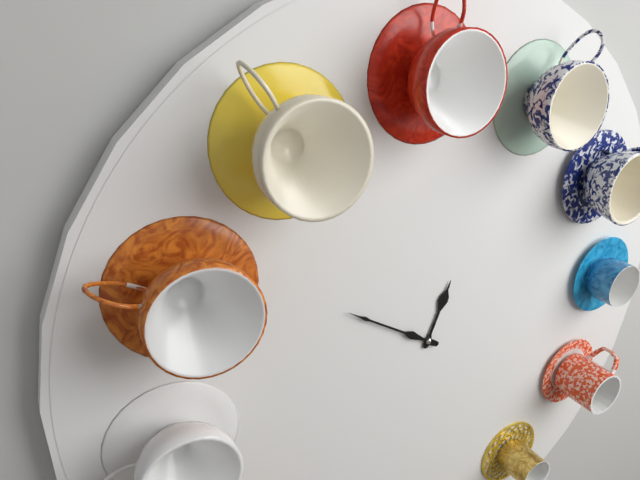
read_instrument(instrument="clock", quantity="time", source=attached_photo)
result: 12:51
